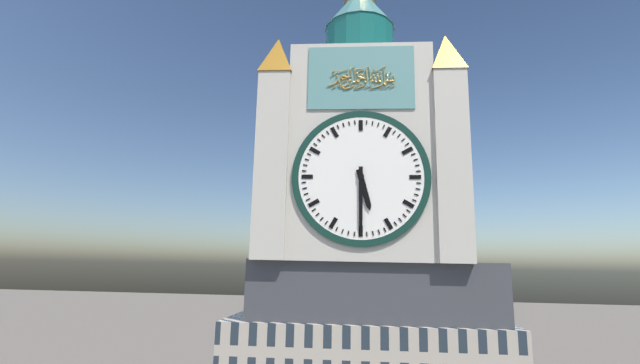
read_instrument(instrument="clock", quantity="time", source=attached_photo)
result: 5:30
